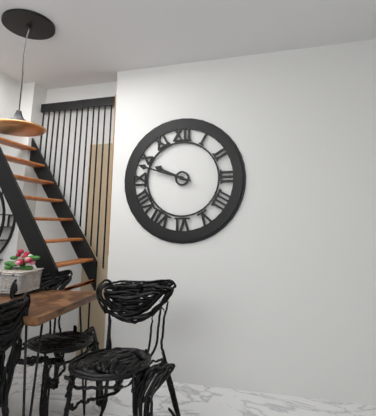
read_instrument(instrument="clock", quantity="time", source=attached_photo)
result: 9:48
